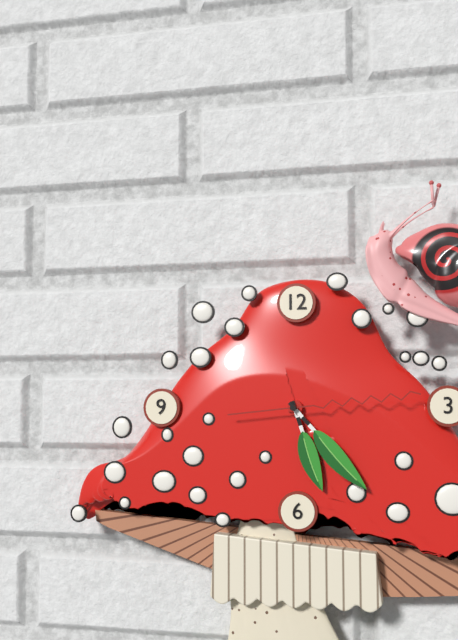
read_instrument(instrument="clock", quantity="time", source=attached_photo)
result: 5:23:14
